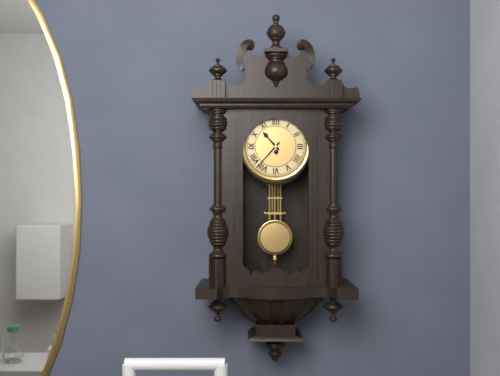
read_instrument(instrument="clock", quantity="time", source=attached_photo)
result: 10:37
